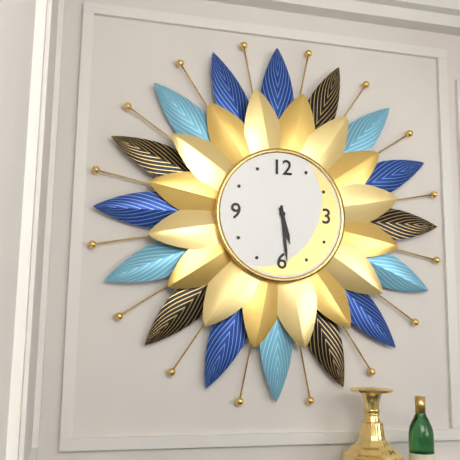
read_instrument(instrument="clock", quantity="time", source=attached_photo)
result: 5:29
